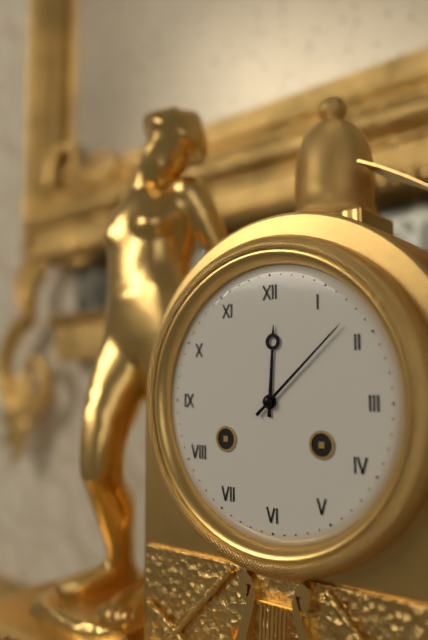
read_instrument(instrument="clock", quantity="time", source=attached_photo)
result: 12:08
